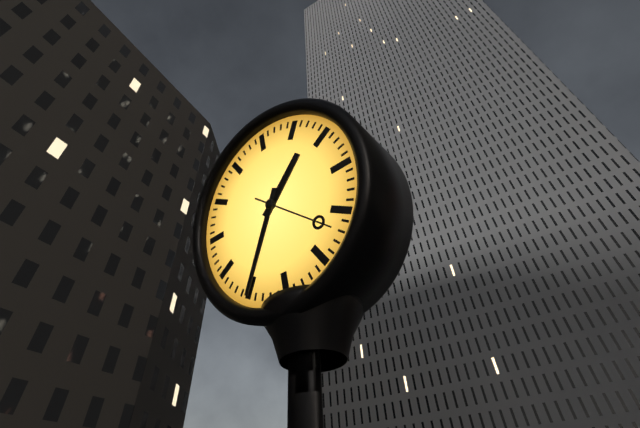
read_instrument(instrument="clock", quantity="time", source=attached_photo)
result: 1:35
